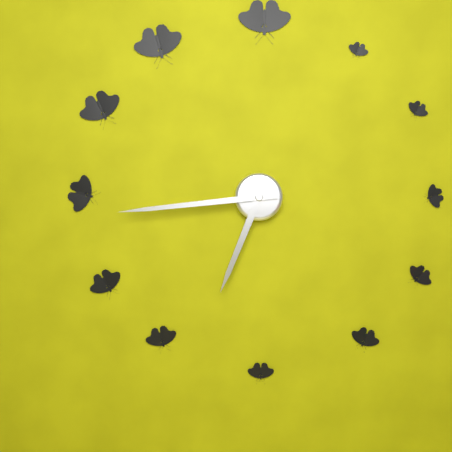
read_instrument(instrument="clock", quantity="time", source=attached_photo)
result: 6:44
